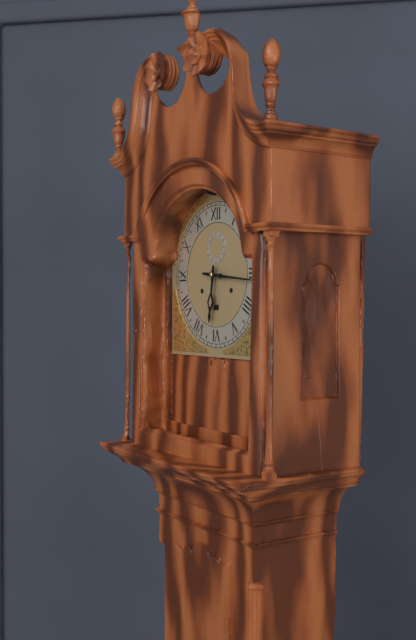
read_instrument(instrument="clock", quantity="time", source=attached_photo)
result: 6:16
